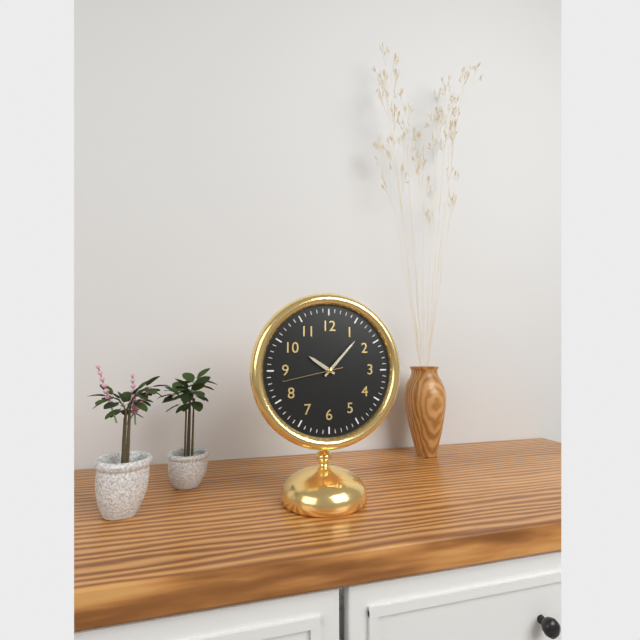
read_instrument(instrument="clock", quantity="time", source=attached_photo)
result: 10:07:43
